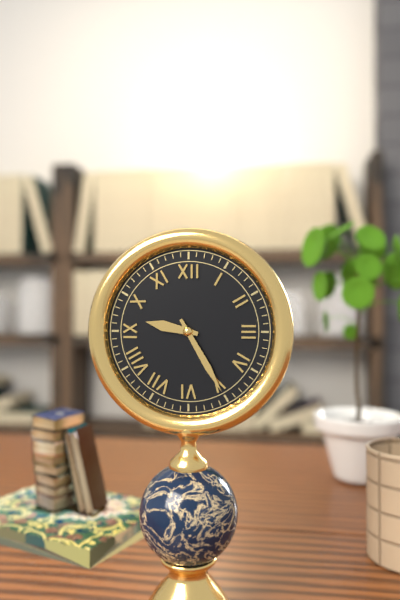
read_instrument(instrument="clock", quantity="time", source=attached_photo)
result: 9:25
